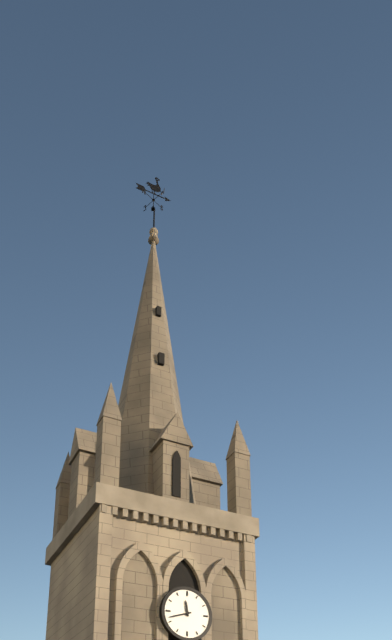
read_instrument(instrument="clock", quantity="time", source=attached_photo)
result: 11:42
